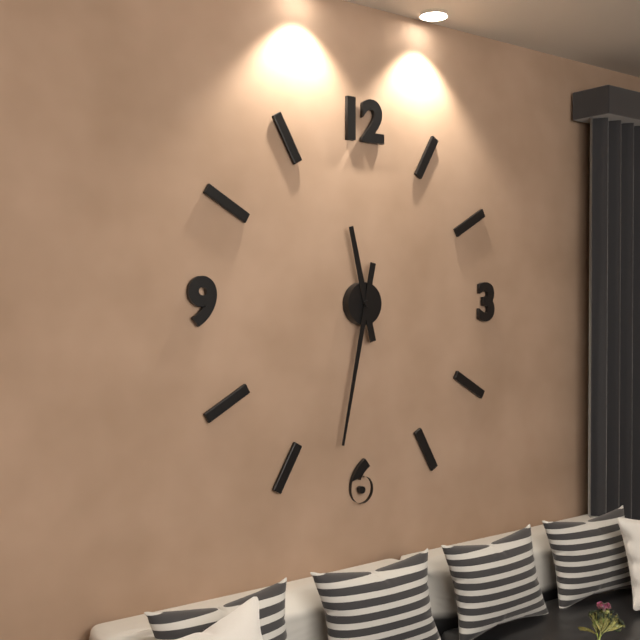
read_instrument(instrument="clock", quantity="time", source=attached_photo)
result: 11:32
